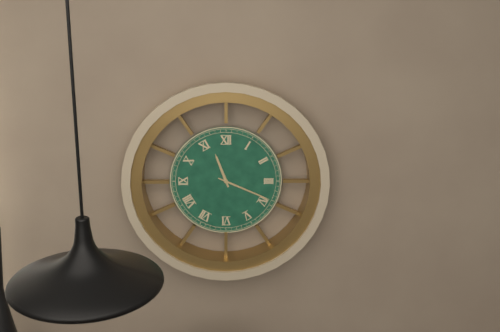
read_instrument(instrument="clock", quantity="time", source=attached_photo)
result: 11:19
